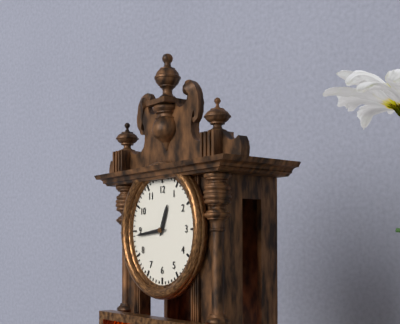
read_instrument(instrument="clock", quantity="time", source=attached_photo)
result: 12:44
